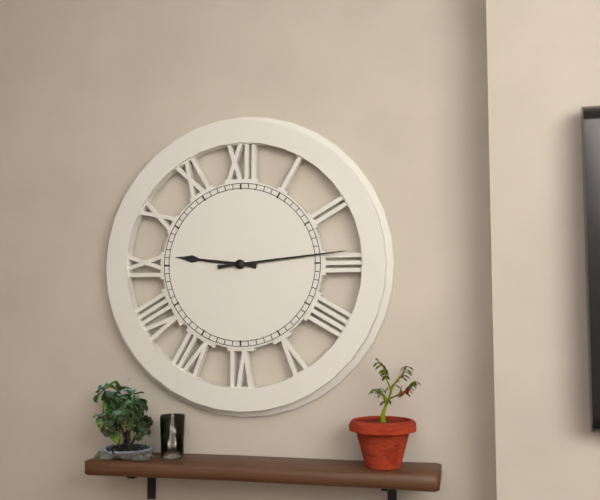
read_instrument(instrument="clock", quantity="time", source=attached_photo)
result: 9:14
